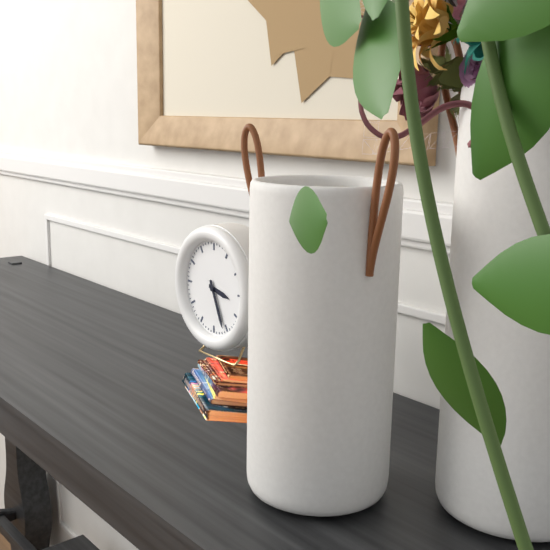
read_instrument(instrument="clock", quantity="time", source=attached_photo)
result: 3:26
